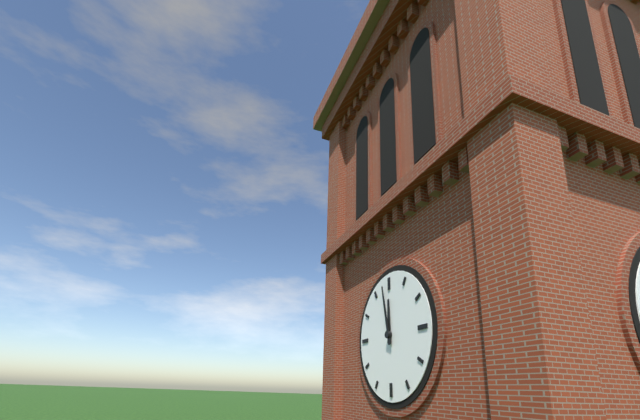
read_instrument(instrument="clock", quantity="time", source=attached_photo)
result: 11:58
